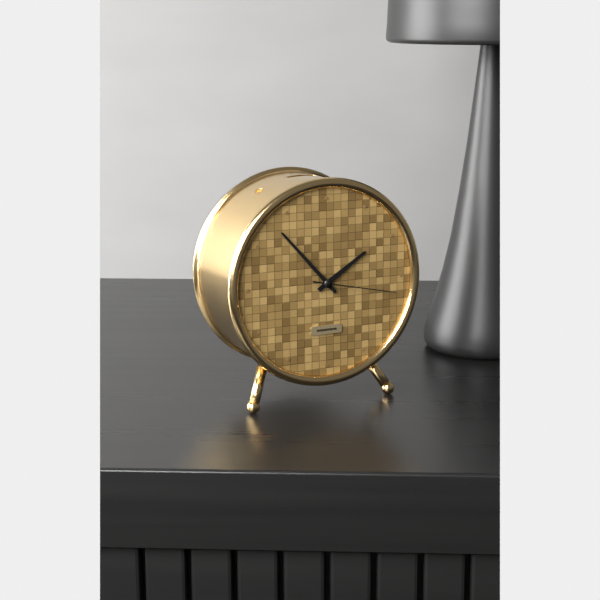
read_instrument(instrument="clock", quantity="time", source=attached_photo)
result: 1:53:17
